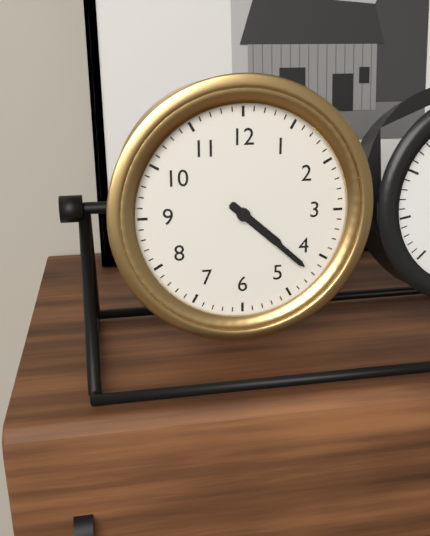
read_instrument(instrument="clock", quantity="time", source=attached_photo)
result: 4:22
